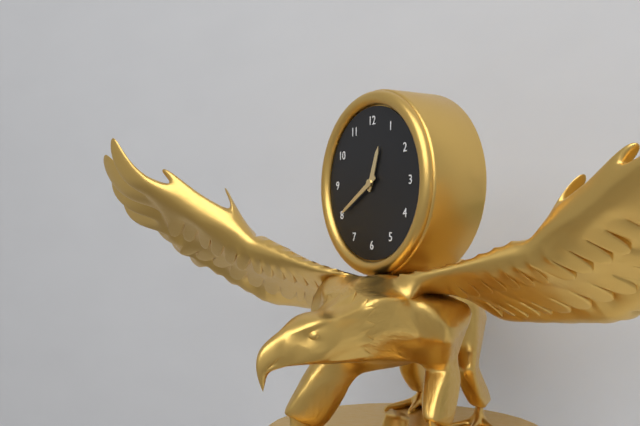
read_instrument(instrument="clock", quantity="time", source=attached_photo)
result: 12:40
